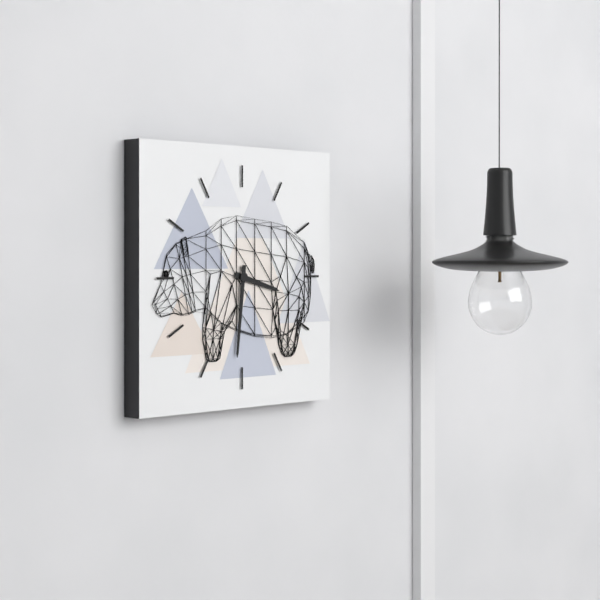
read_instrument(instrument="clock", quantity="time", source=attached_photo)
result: 3:31
